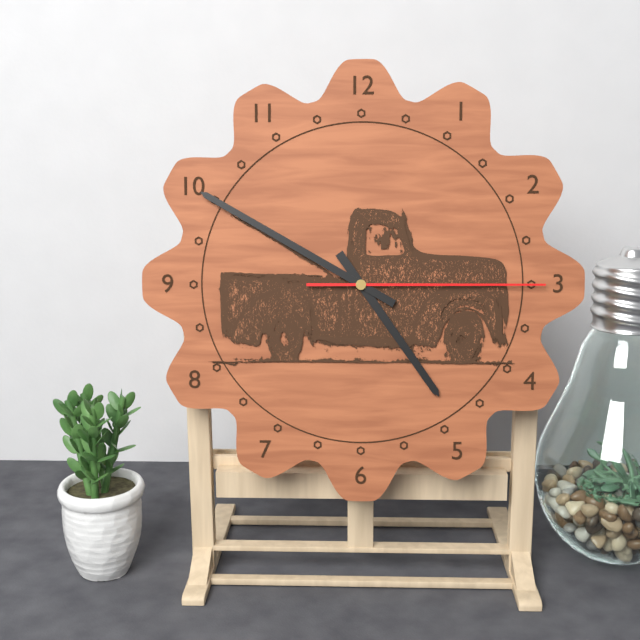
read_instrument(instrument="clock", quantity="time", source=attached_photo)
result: 4:50:15
